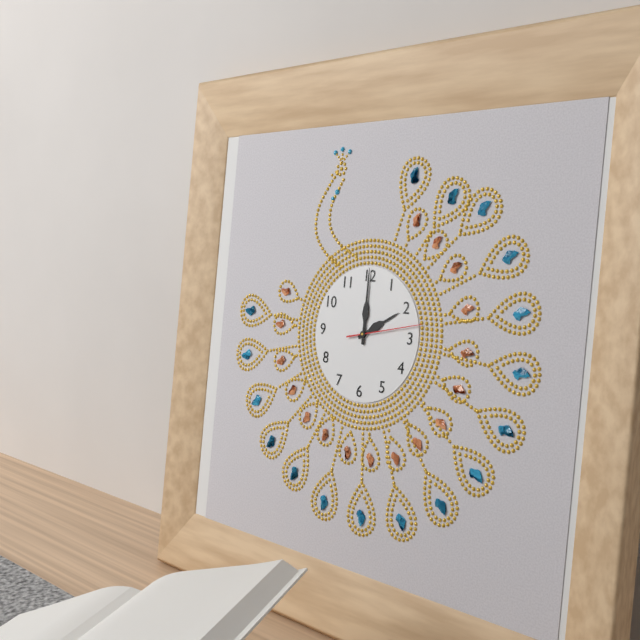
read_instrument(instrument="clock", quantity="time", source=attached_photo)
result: 2:00:13
